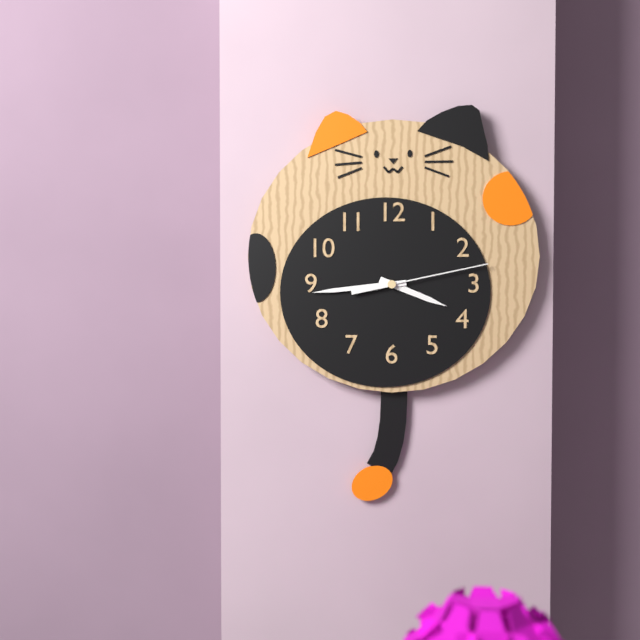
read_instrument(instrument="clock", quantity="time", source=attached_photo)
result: 3:44:13
